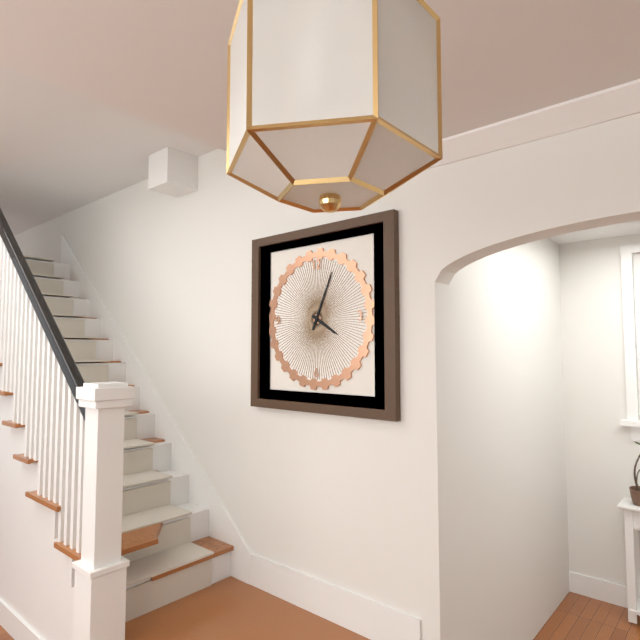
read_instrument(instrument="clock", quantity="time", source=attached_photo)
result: 4:04
